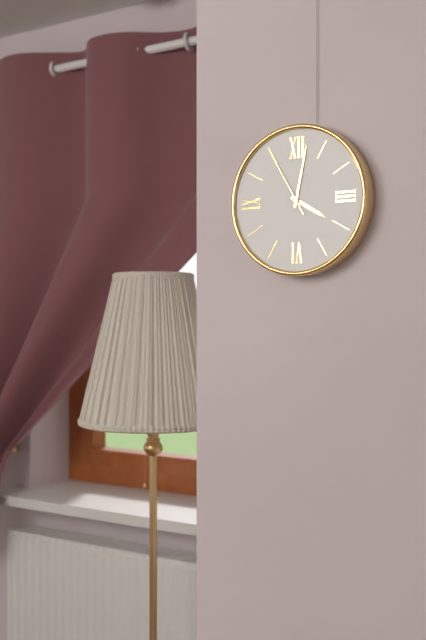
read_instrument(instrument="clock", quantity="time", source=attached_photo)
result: 4:02:55
